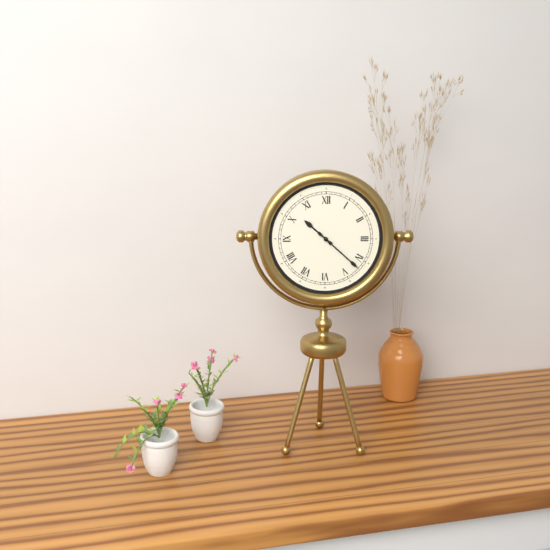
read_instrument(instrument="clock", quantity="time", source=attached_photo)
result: 10:22
